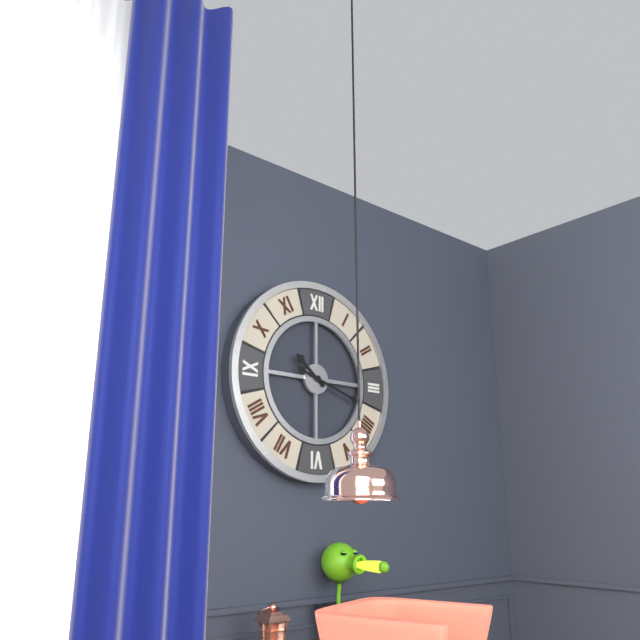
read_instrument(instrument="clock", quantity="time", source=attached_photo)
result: 10:18
